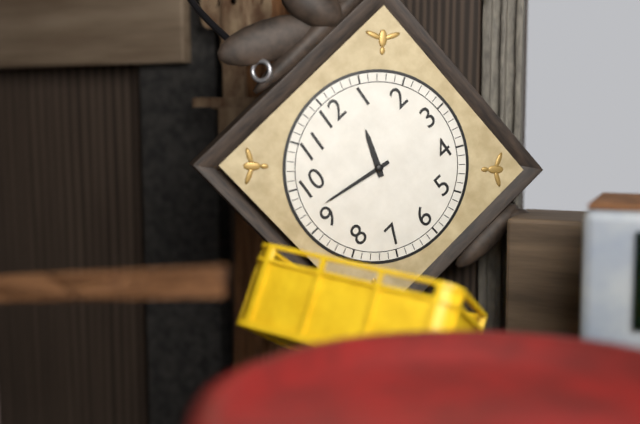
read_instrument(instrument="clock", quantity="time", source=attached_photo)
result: 12:47
